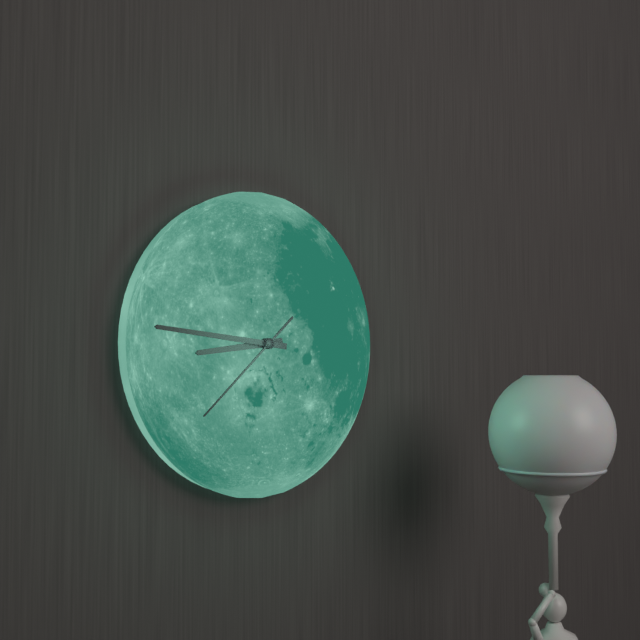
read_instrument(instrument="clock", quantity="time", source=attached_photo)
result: 8:46:38
